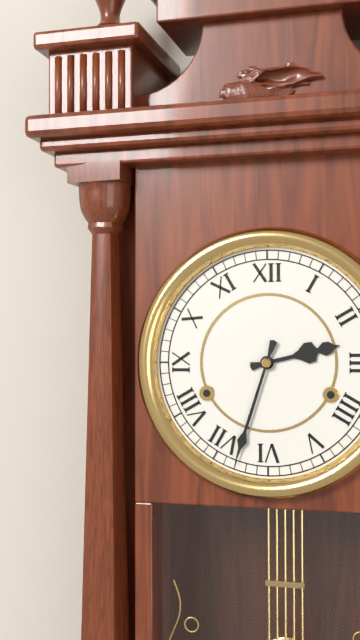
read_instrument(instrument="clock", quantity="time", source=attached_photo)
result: 2:33
